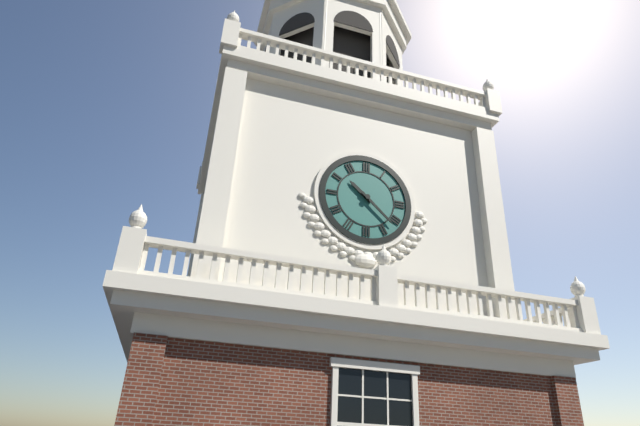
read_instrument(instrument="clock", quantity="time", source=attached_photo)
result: 10:22
